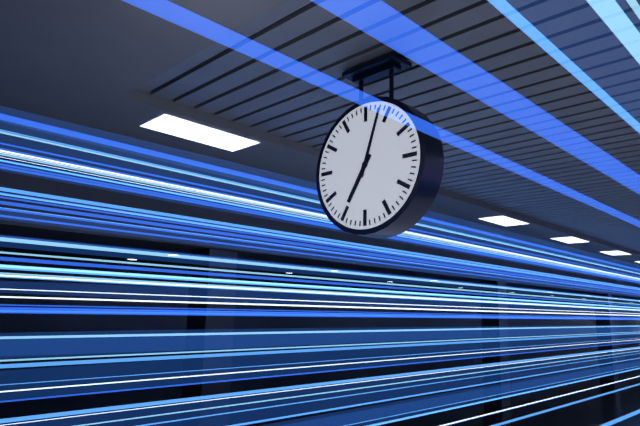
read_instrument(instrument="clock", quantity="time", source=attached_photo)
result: 7:03
